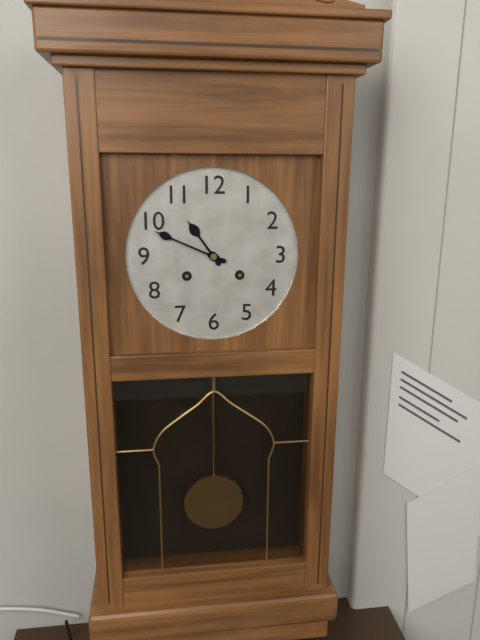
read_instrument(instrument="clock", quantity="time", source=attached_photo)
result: 10:49
